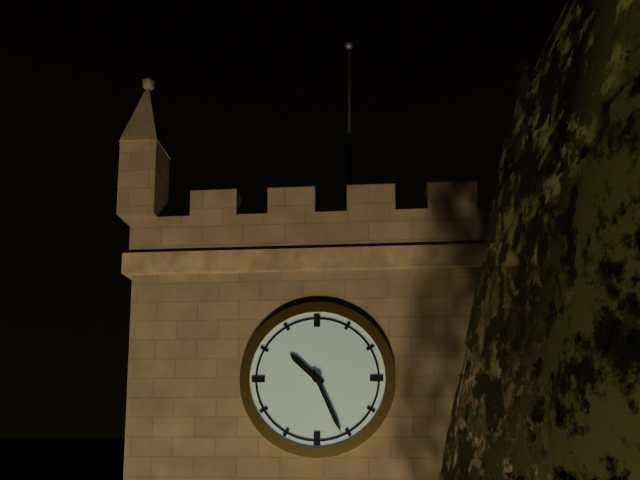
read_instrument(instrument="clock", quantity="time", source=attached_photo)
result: 10:26
